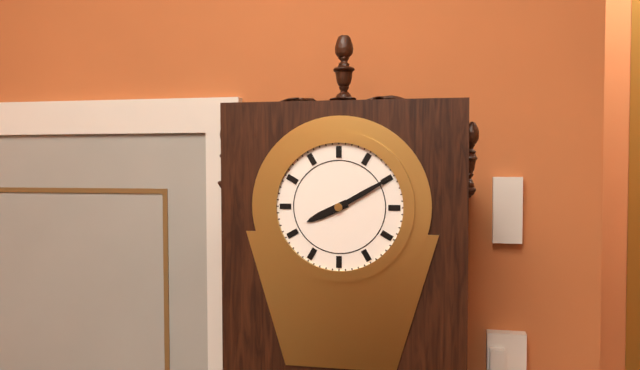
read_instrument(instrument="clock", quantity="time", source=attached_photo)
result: 8:10
